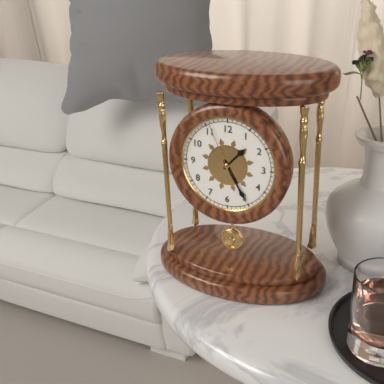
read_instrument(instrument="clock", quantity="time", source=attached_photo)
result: 1:25:56
